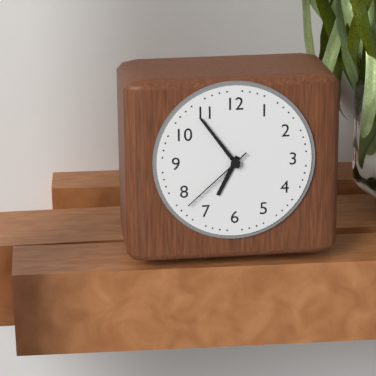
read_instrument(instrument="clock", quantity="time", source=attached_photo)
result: 6:54:38
